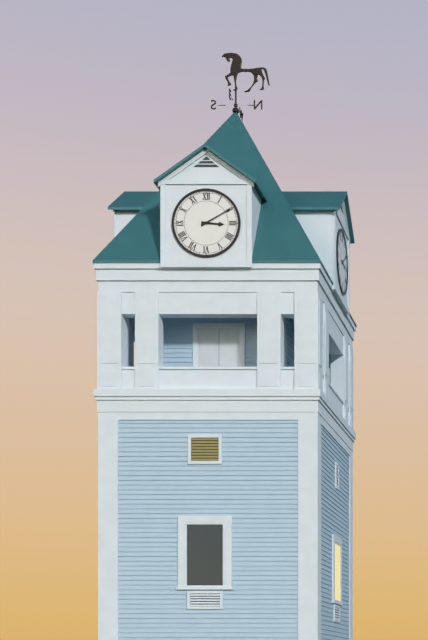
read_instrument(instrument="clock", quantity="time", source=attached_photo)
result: 3:10
